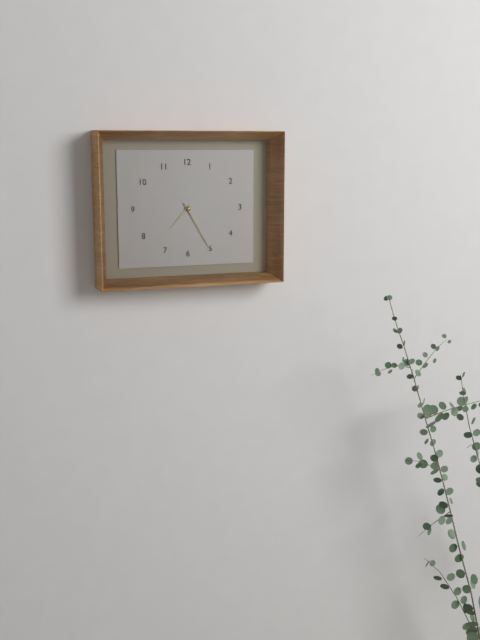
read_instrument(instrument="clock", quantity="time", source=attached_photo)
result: 7:25
